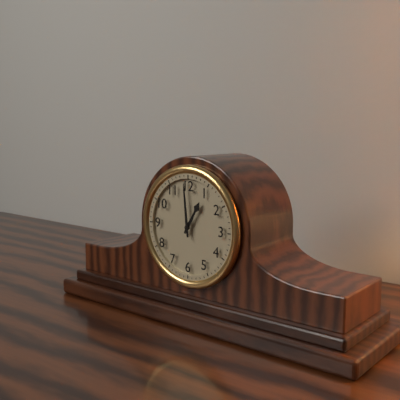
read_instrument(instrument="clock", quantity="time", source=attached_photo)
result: 12:59
